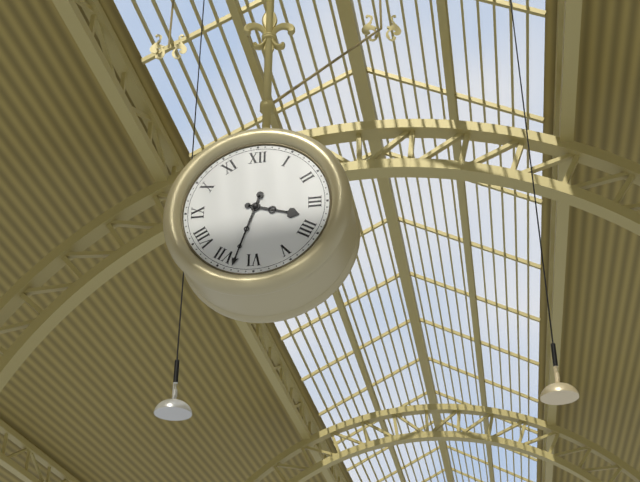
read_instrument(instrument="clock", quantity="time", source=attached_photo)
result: 3:33
